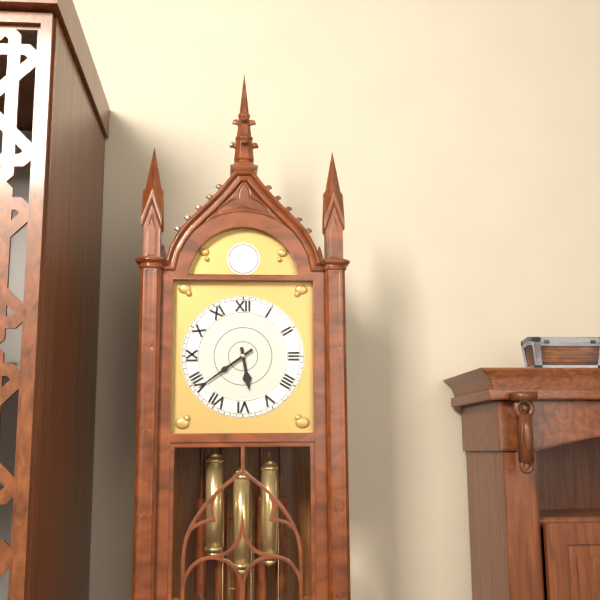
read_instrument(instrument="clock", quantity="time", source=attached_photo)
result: 5:39
